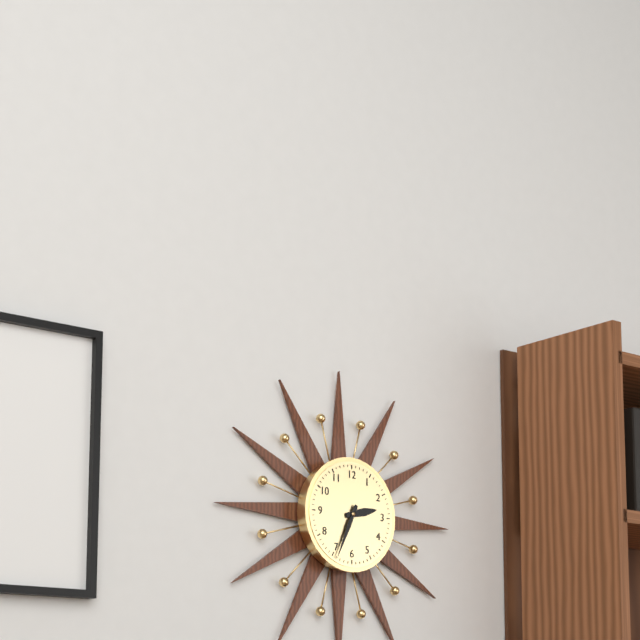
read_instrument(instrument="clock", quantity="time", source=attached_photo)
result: 2:34
